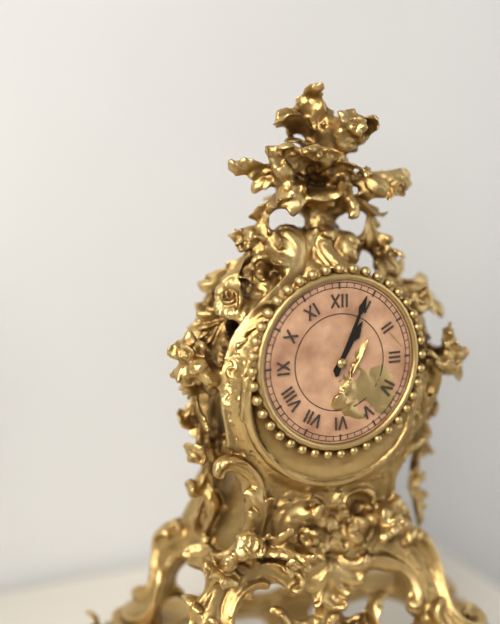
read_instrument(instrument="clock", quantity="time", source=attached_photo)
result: 1:04
